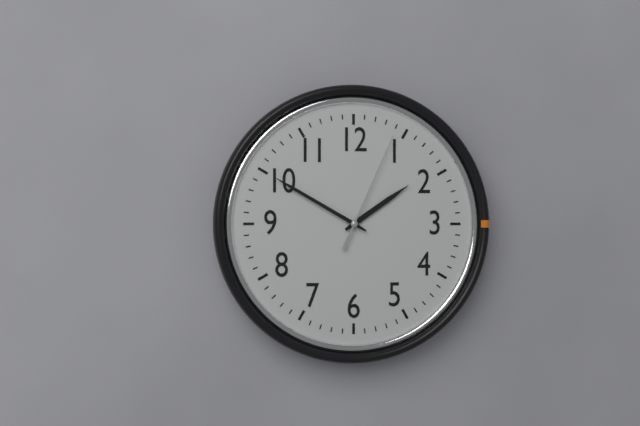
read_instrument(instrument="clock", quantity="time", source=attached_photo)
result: 1:50:04
